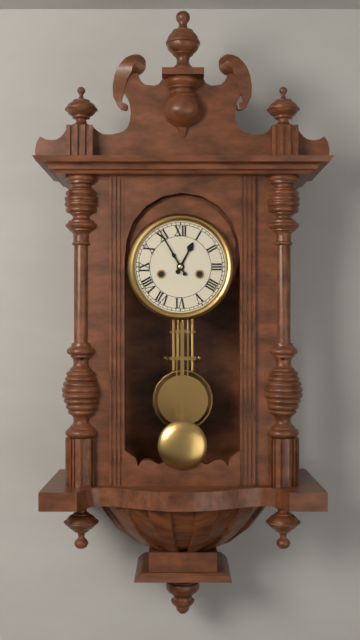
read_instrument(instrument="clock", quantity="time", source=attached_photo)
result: 12:55
